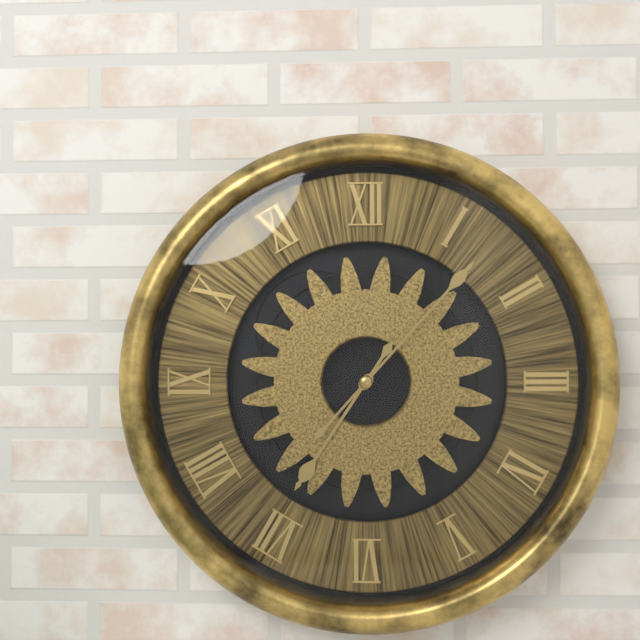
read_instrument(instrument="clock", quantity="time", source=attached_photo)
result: 7:07
